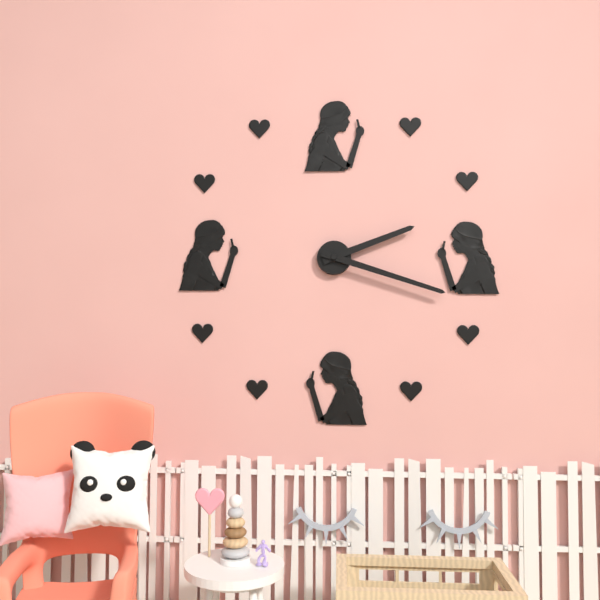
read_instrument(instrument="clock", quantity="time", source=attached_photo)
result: 2:18
